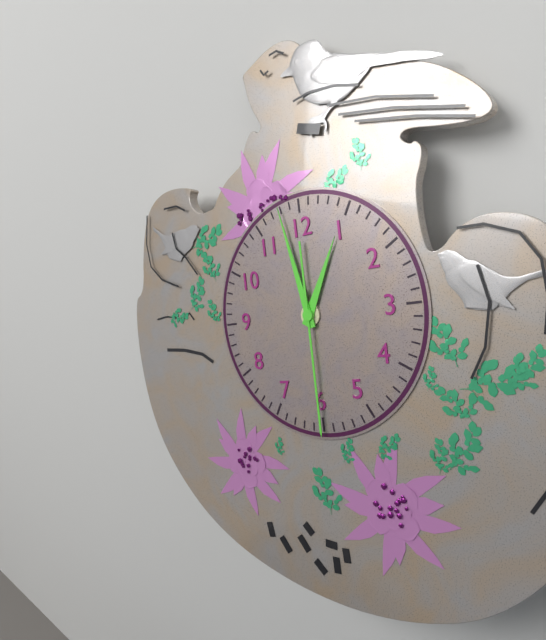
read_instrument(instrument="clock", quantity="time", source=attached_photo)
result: 12:58:30
